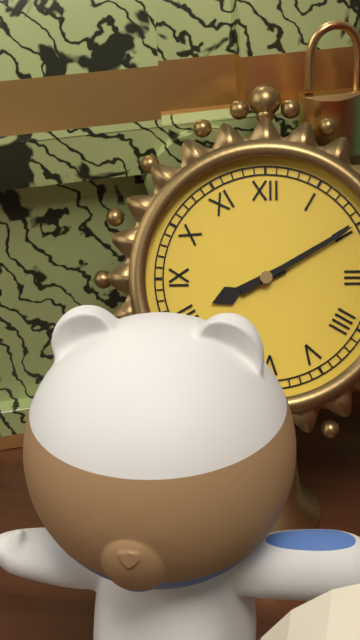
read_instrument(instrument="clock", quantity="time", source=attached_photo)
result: 8:10
